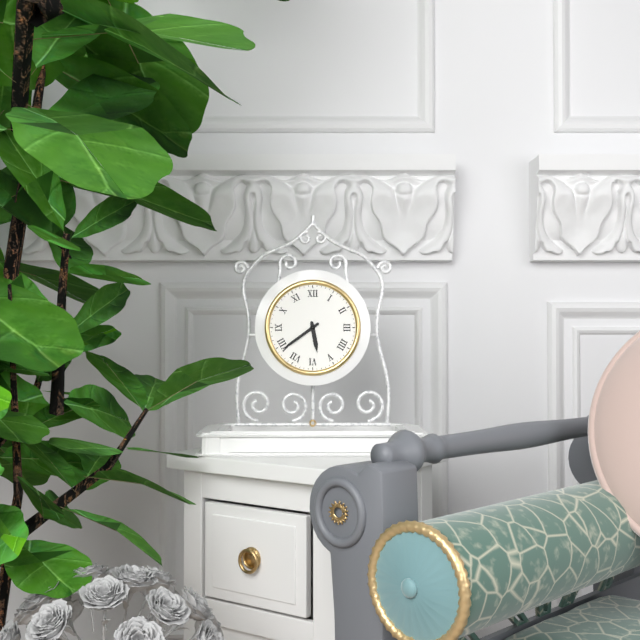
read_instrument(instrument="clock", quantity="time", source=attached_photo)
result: 5:39
